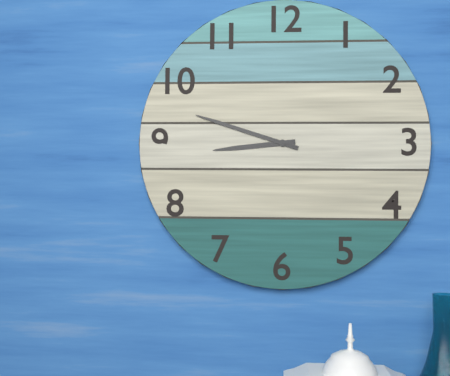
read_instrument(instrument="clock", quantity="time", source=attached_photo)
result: 8:48
